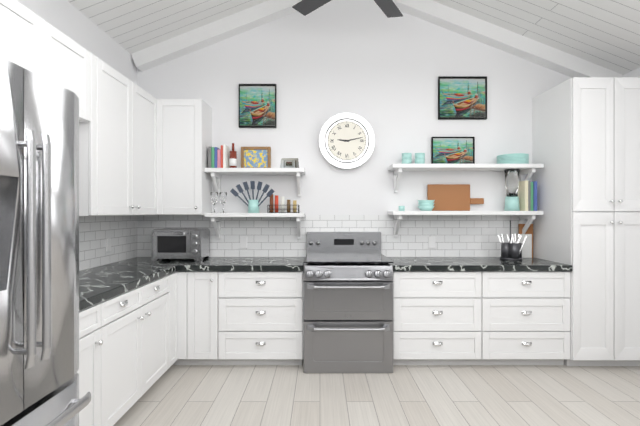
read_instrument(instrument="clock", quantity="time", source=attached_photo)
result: 9:13
